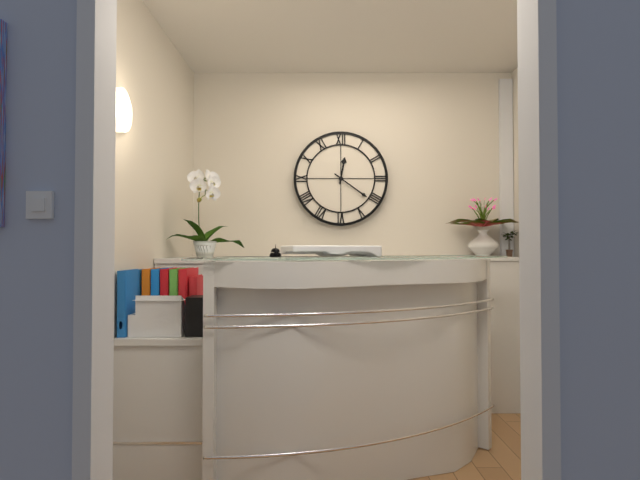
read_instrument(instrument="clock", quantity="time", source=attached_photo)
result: 12:21
